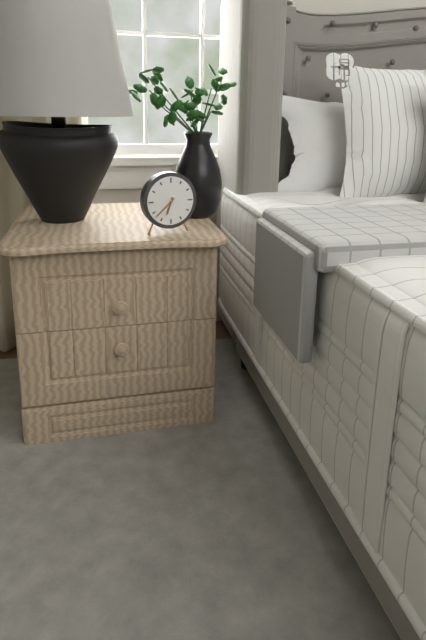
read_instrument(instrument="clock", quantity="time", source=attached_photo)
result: 6:38
